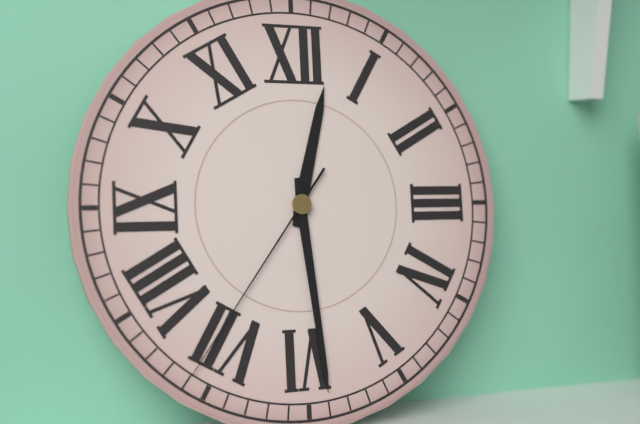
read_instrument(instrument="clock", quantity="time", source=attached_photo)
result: 12:29:36
